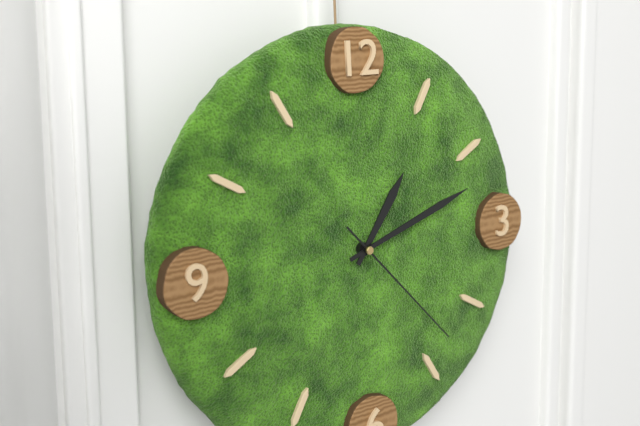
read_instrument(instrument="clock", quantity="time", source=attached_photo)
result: 1:12:23
